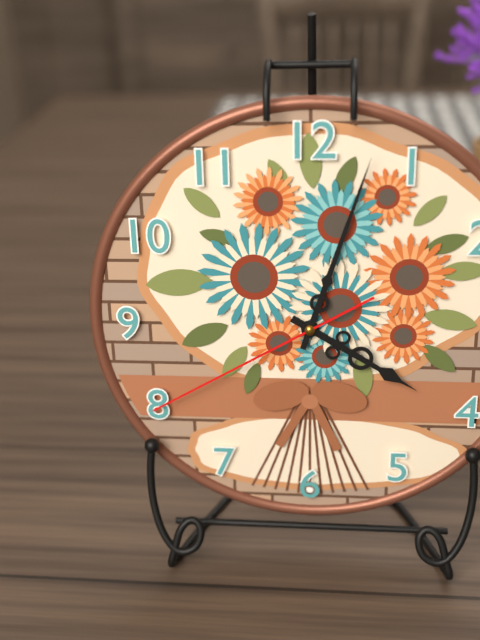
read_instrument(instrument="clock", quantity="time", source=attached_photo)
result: 4:03:40
